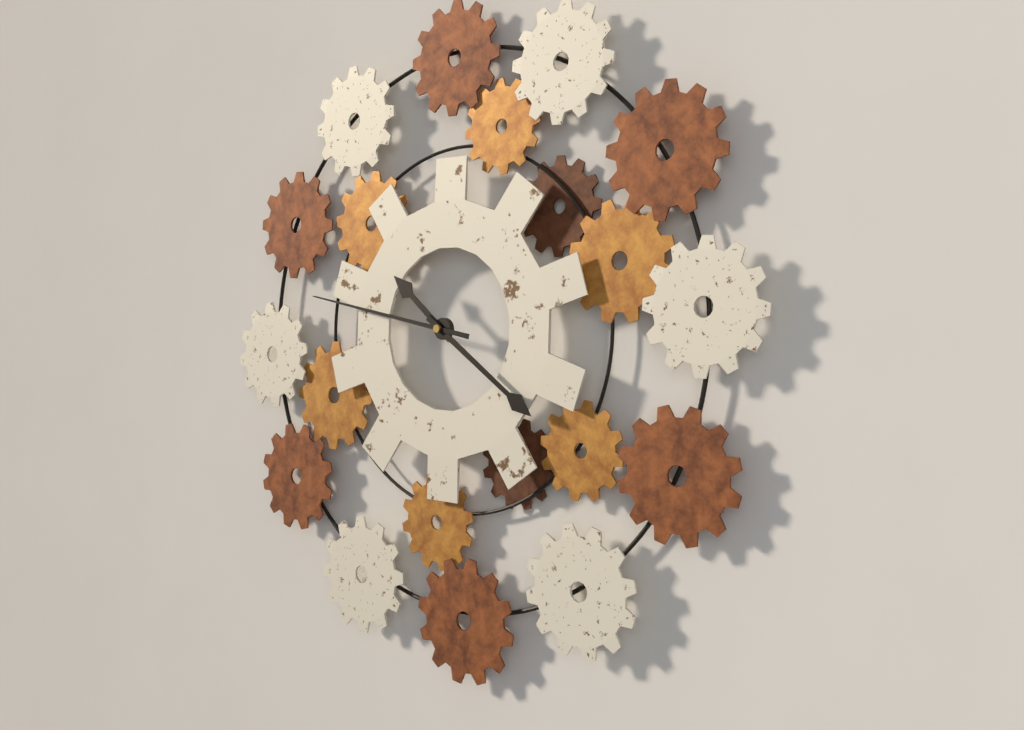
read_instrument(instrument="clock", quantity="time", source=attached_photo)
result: 10:21:47
